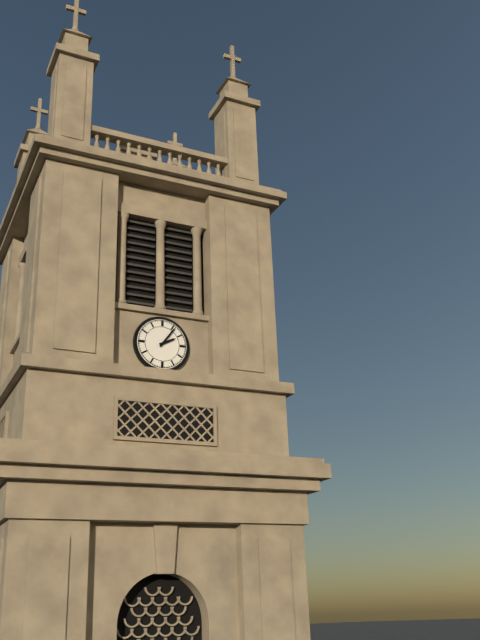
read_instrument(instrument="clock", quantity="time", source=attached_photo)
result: 2:06
